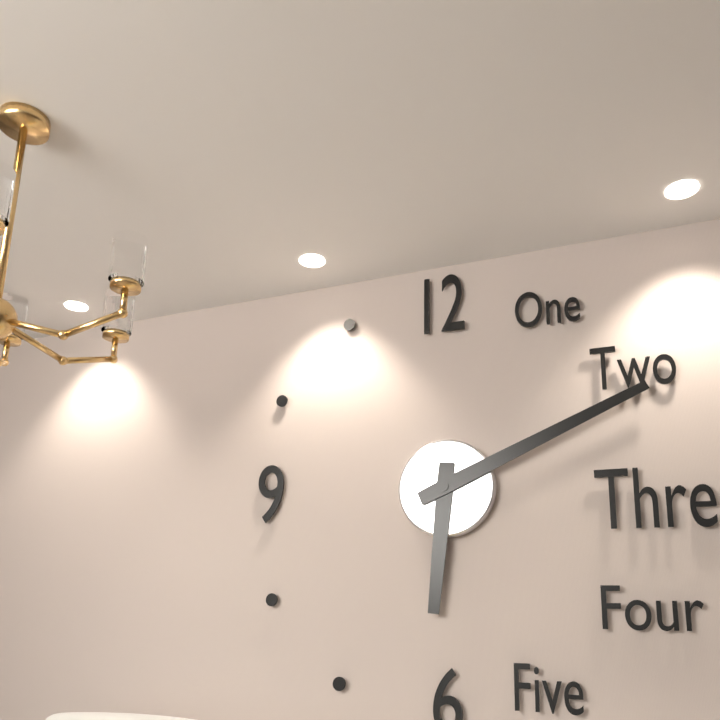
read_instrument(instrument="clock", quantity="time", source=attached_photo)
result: 6:11
